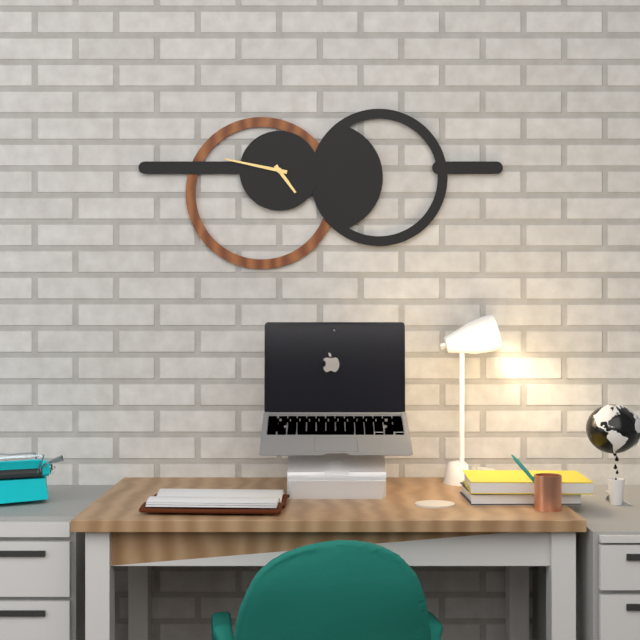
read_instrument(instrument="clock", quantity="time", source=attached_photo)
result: 4:47
